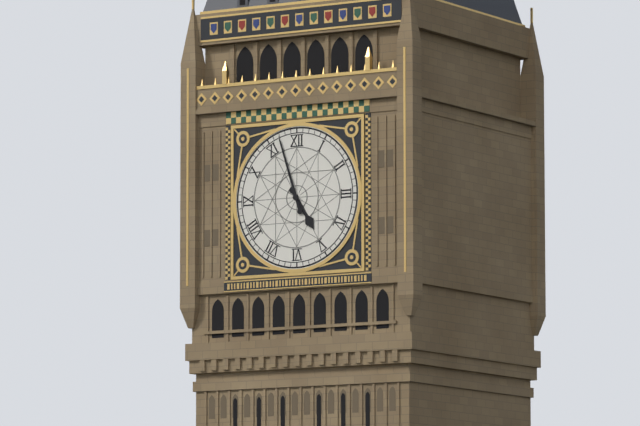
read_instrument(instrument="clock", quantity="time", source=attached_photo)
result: 4:57
